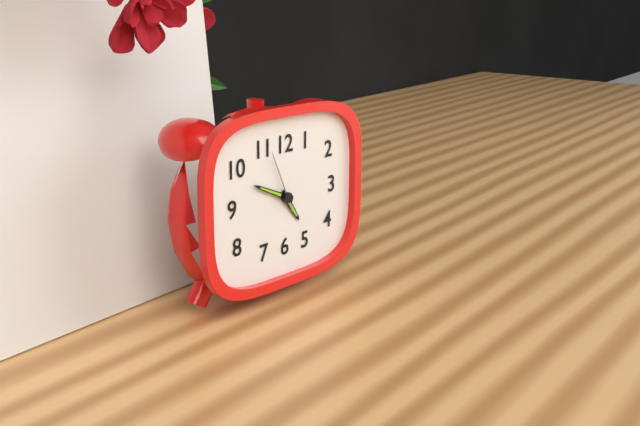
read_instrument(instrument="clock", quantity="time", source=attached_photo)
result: 4:49:56
